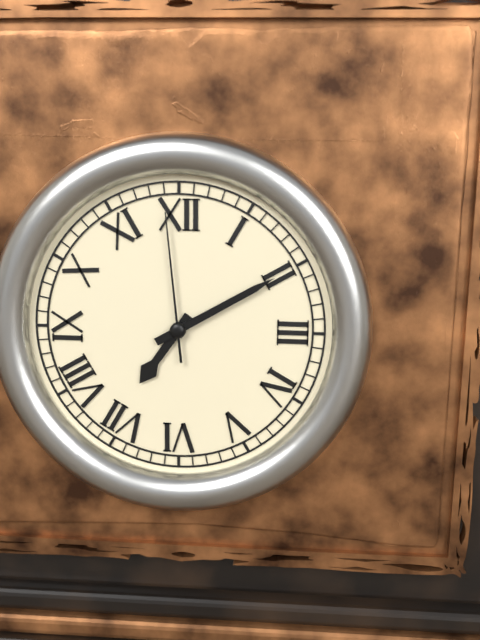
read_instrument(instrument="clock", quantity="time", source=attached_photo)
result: 7:10:59
